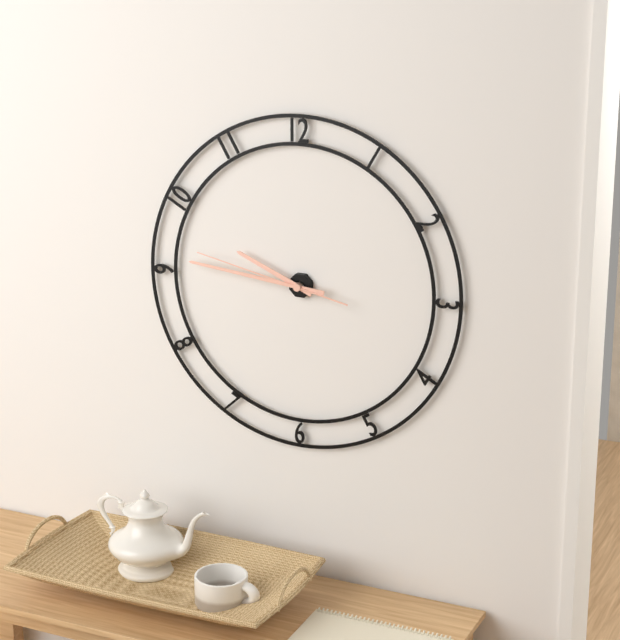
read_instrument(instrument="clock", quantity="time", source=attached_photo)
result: 9:46:47
